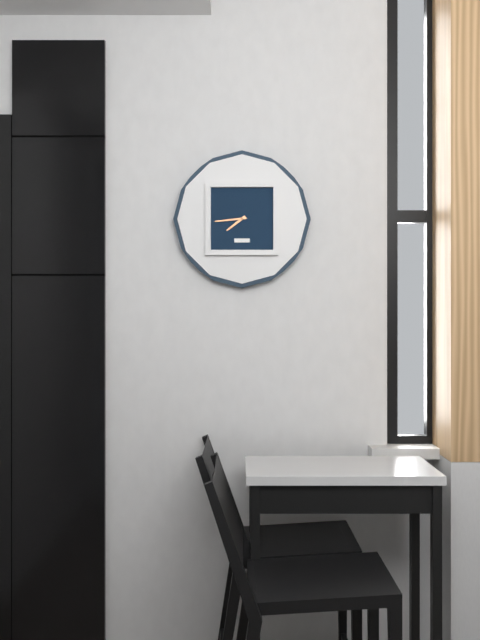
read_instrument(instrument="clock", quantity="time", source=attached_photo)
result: 7:44
